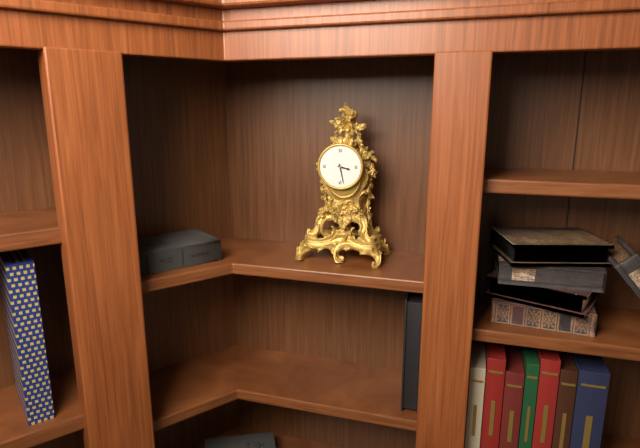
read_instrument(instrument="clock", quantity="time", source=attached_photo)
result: 3:28
